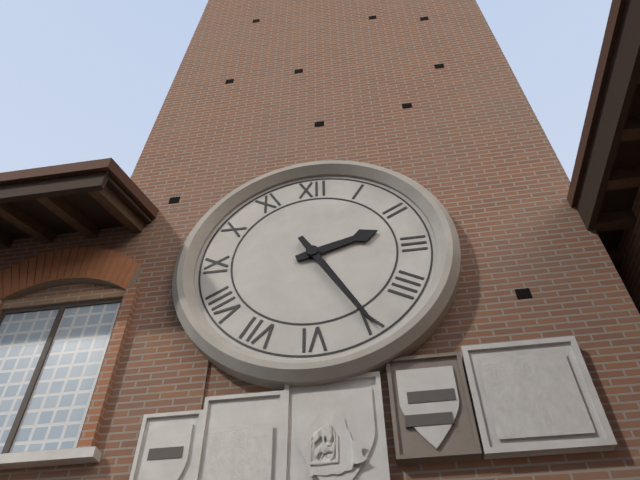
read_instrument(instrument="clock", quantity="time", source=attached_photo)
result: 2:25
